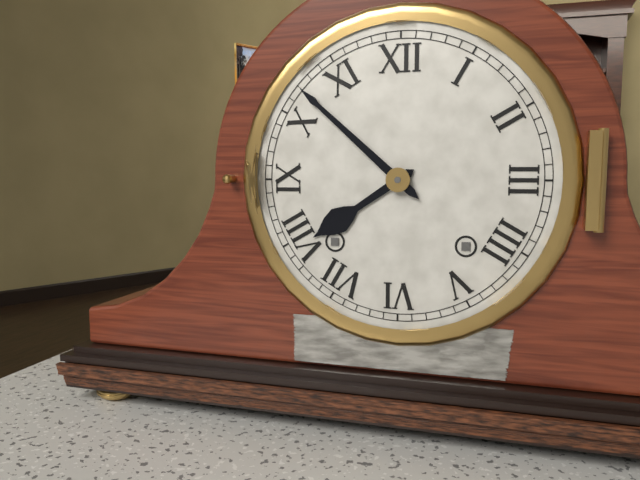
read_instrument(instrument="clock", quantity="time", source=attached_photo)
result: 7:52
